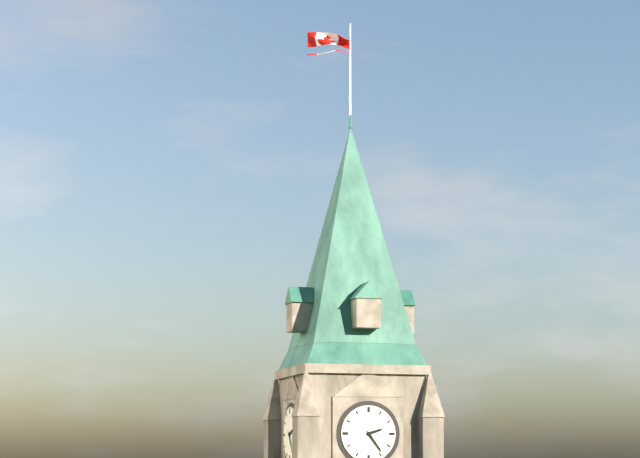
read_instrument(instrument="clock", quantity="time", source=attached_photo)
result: 2:24
